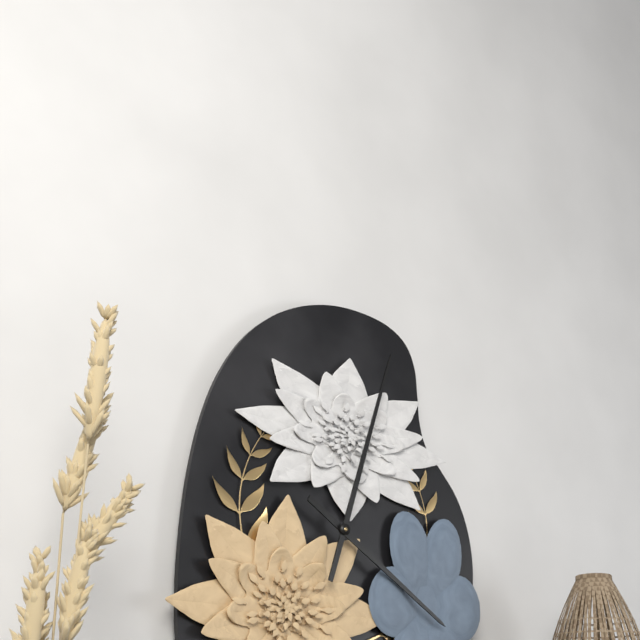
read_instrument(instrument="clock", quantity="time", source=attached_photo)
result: 4:03
